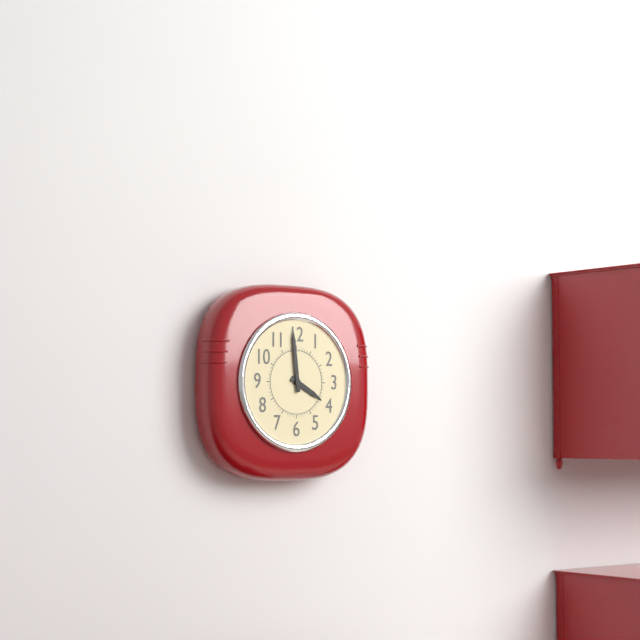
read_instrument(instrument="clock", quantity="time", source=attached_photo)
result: 3:59
